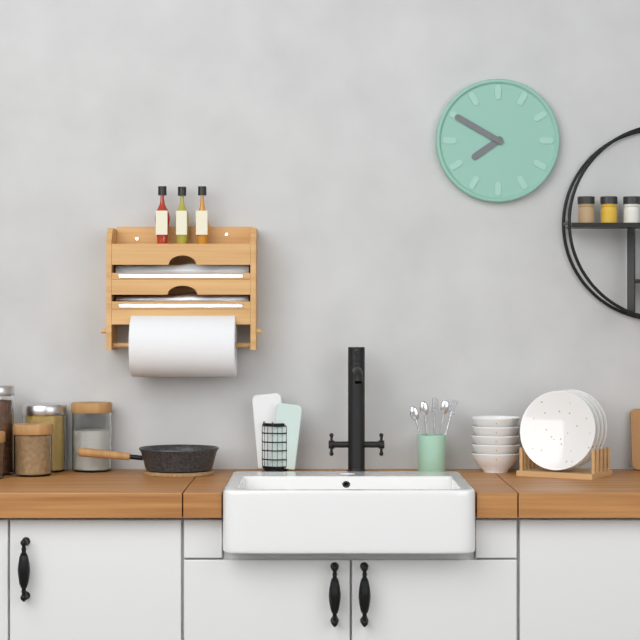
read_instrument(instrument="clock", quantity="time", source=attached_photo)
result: 7:50
